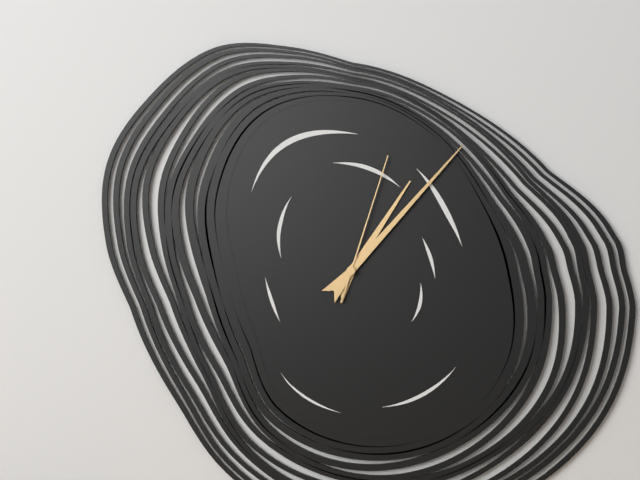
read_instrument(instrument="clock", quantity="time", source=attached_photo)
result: 1:07:03
